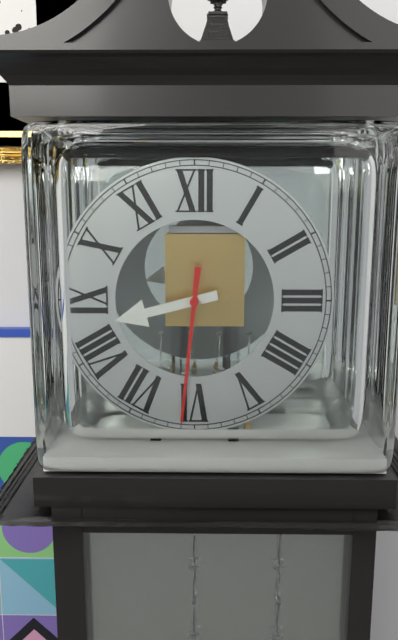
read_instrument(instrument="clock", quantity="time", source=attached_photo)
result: 8:31
